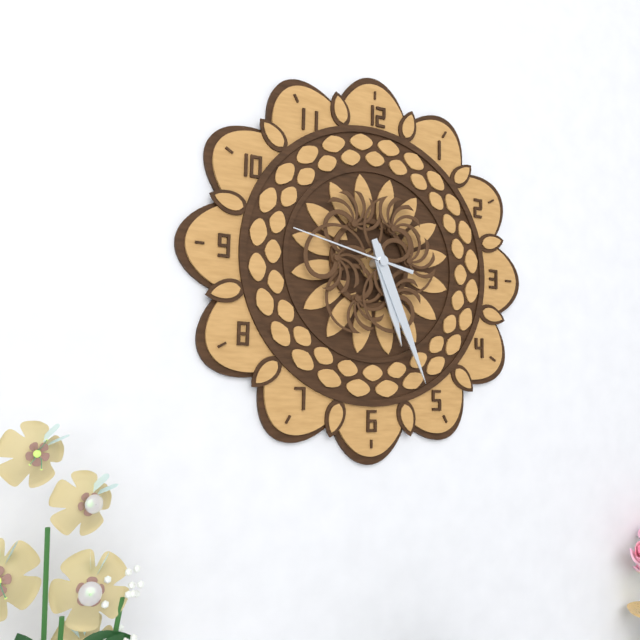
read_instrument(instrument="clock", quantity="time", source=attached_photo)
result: 5:26:47
